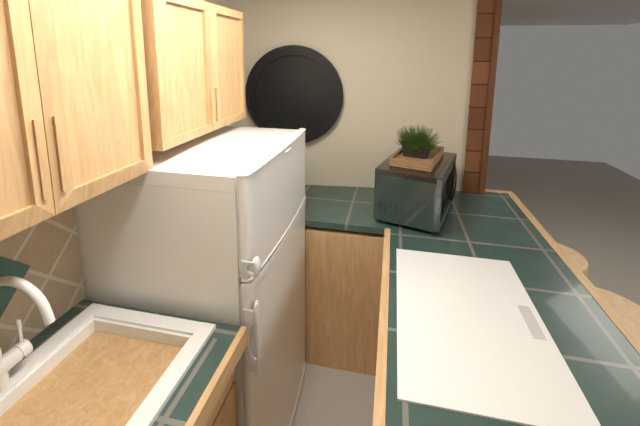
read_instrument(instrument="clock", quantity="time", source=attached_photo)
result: 1:44
